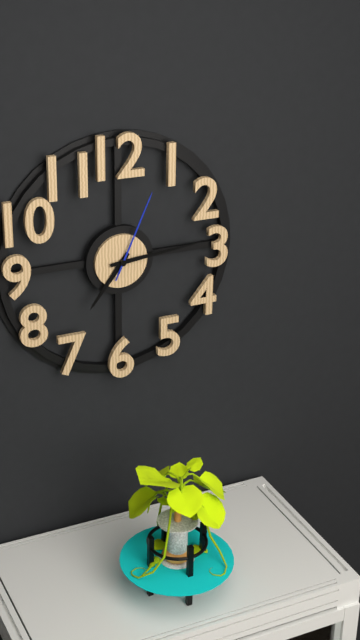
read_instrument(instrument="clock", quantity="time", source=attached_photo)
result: 7:14:04
